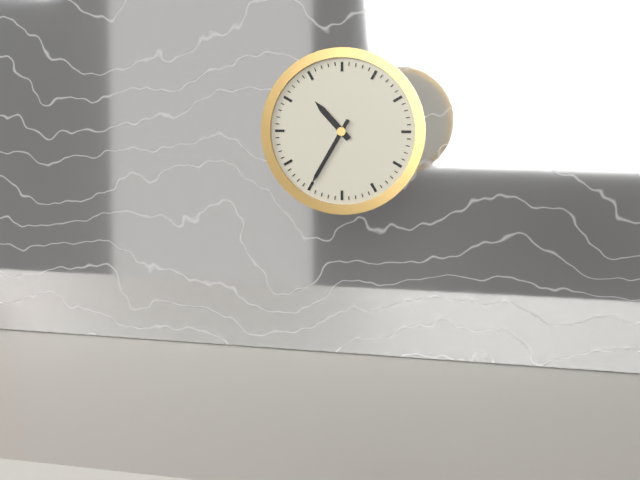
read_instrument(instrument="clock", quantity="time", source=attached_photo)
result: 10:35
